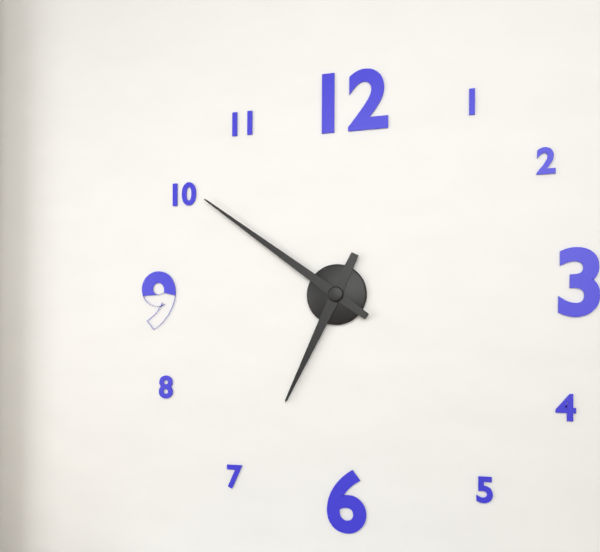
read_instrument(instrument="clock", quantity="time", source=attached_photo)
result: 6:51
